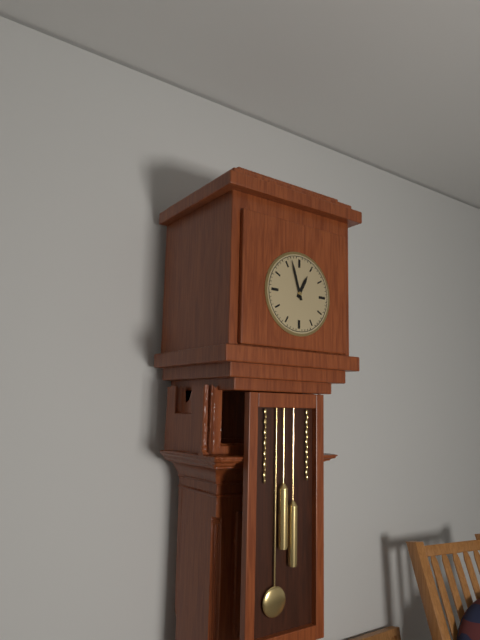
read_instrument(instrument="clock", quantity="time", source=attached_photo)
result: 12:57
